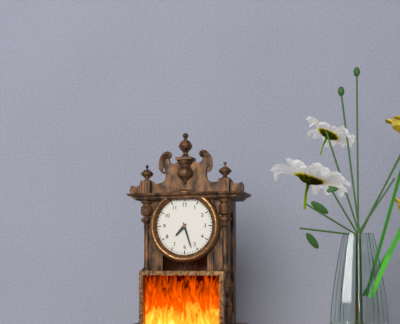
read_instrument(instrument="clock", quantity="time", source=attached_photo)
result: 7:27
